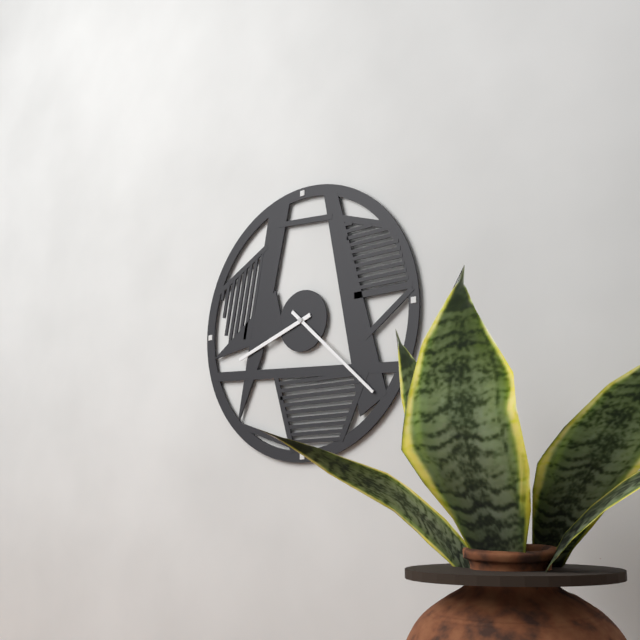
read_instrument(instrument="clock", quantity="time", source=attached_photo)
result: 8:22
